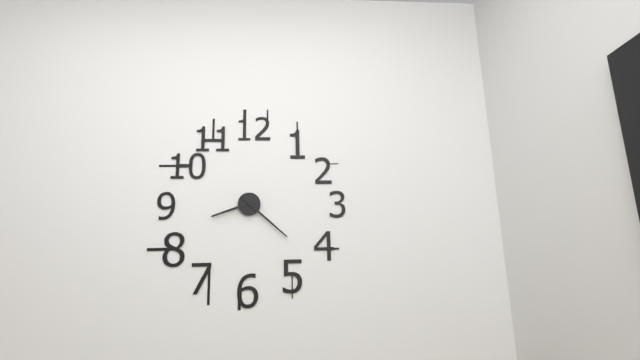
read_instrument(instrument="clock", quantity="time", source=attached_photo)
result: 8:22
